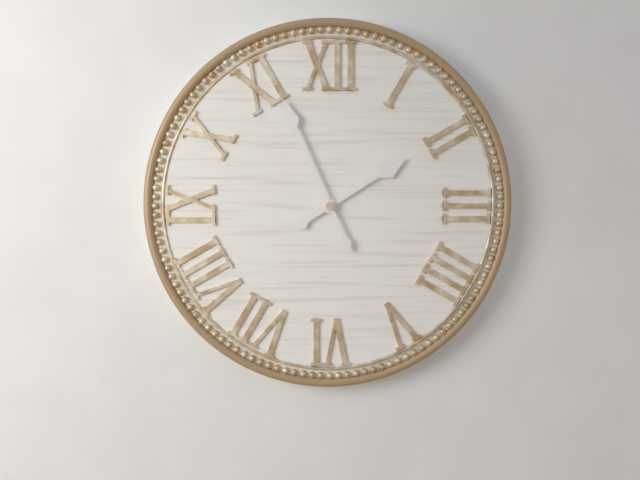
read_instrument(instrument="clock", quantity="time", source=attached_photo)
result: 1:56
